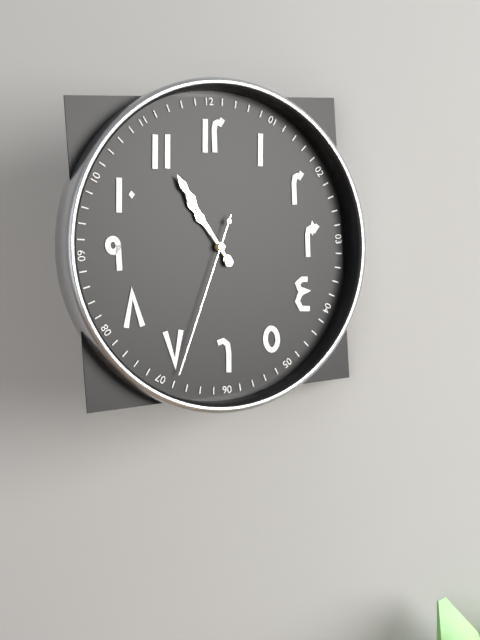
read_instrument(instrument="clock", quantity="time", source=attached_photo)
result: 10:55:34
